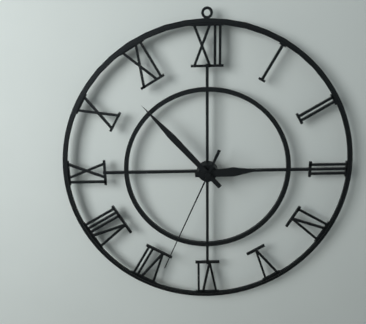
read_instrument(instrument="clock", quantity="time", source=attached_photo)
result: 2:53:34
